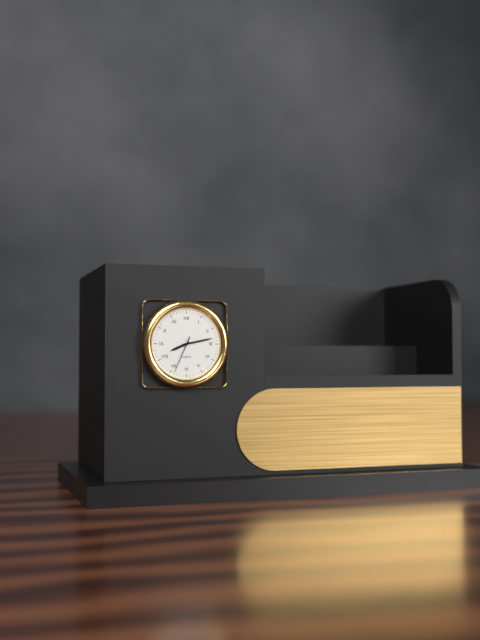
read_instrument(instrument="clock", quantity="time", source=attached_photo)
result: 8:13
